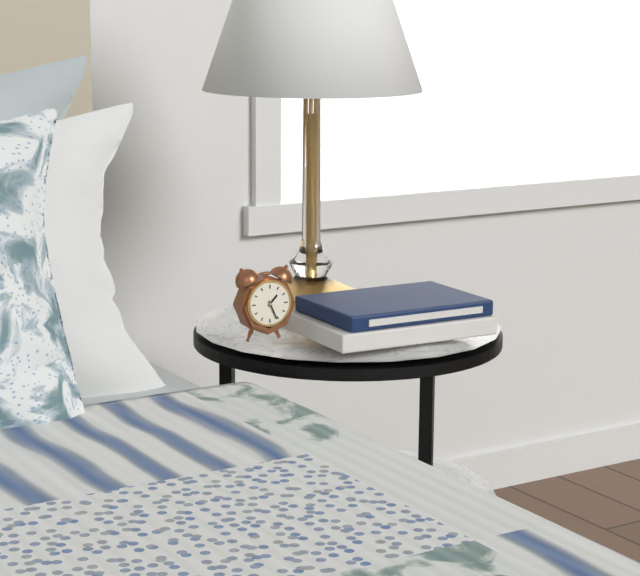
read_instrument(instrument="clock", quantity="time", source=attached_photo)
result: 1:26
